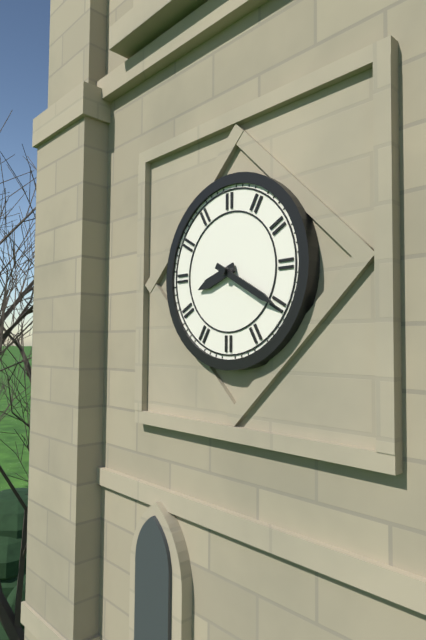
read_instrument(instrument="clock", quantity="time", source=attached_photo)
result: 8:20
